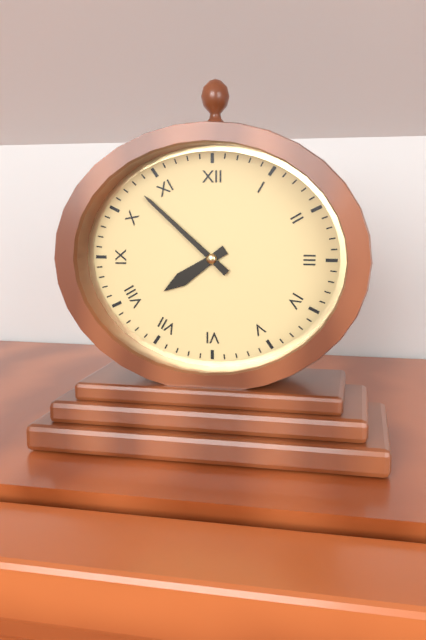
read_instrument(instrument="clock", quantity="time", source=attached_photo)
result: 7:52
